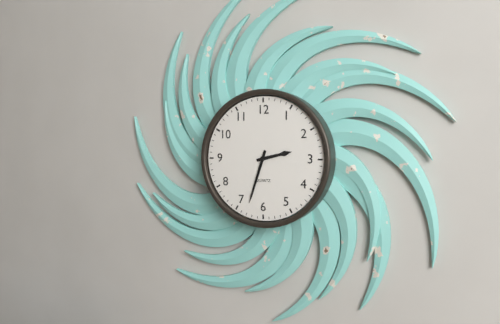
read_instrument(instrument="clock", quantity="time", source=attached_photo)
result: 2:33
